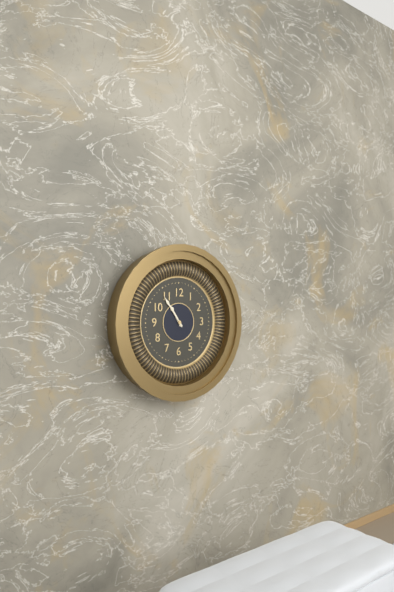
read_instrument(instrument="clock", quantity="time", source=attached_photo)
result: 10:54
